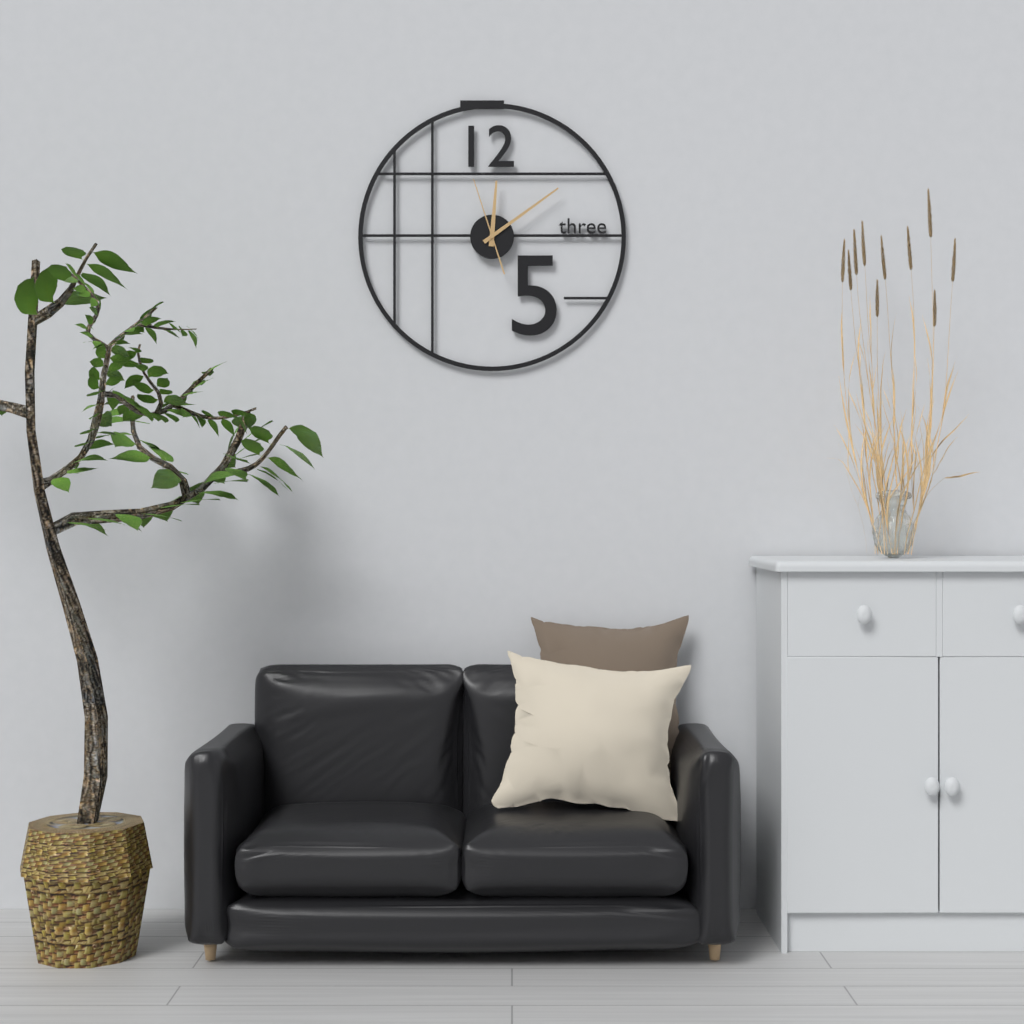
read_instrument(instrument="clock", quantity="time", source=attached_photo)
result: 12:09:57
